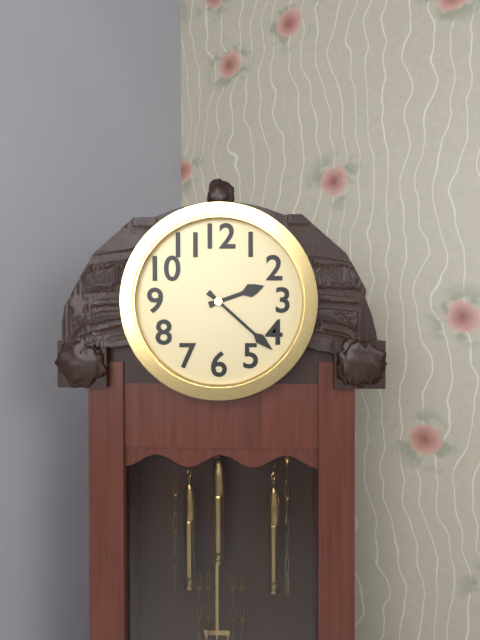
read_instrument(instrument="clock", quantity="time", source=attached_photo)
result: 2:22
